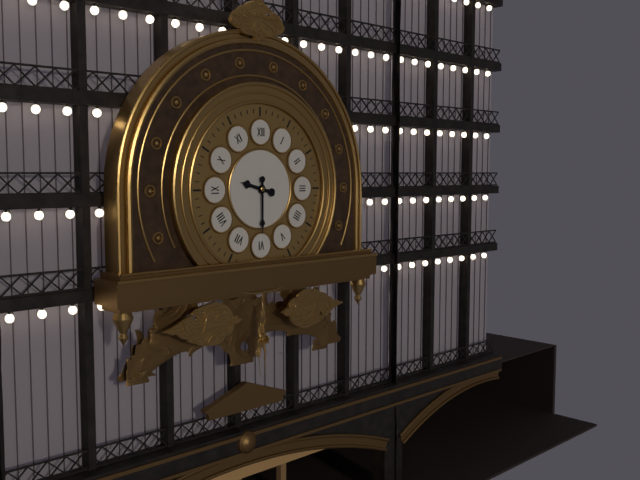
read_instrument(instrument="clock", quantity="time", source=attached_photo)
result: 9:30
